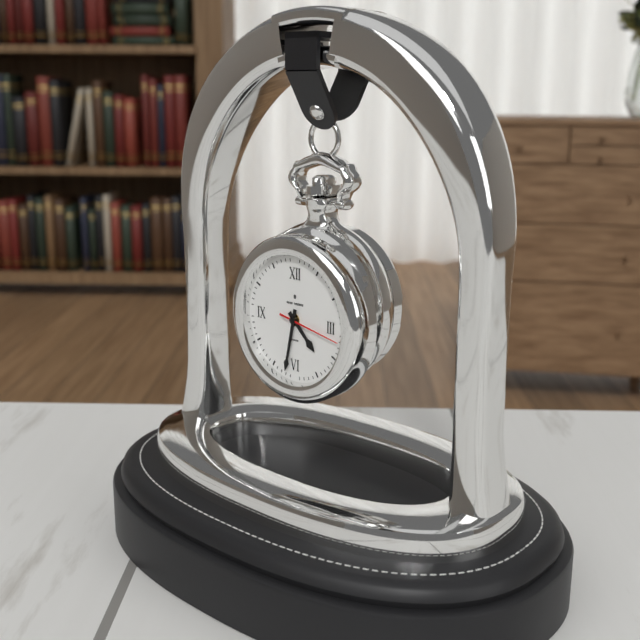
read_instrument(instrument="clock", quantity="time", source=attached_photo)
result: 4:32:17
